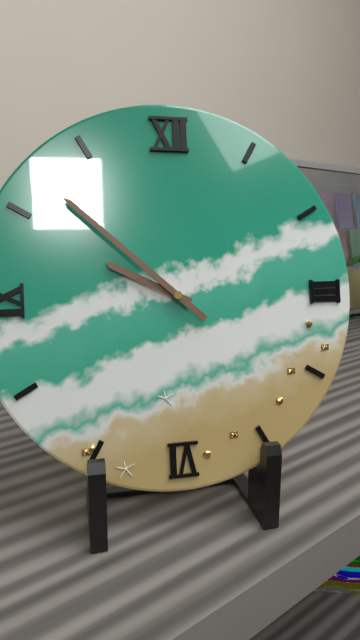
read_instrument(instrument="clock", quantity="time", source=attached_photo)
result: 9:52
